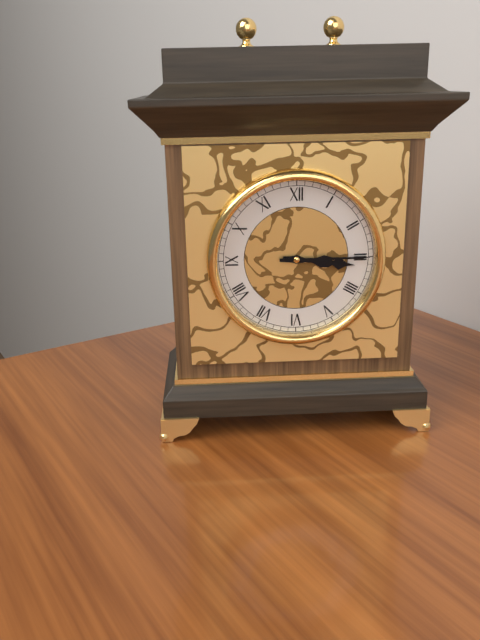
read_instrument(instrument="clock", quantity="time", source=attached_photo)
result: 3:15
